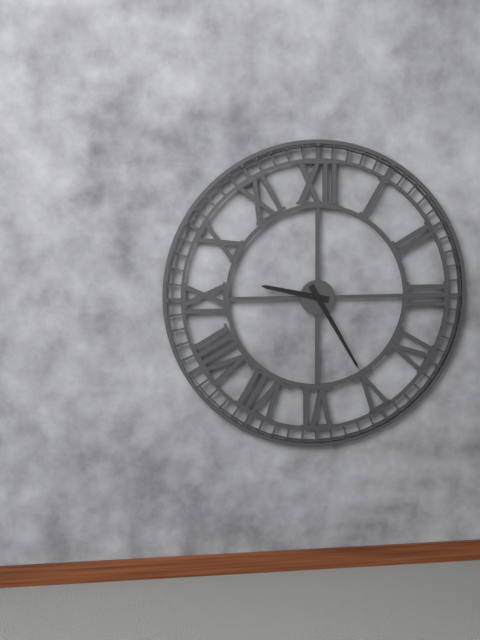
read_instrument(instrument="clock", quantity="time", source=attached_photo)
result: 9:25
